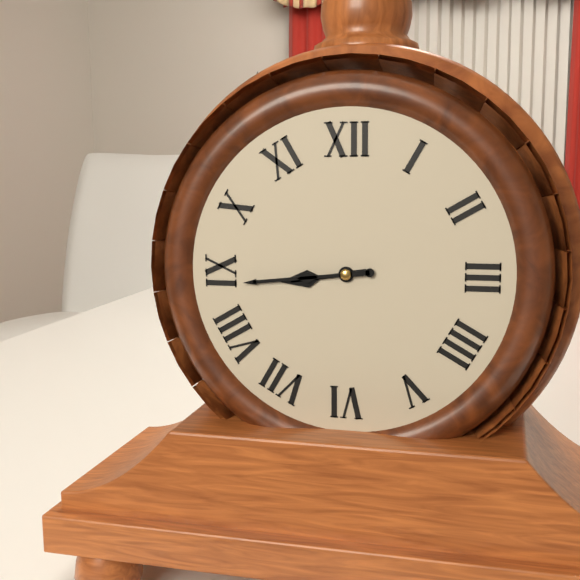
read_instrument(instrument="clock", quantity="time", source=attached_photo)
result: 8:44
